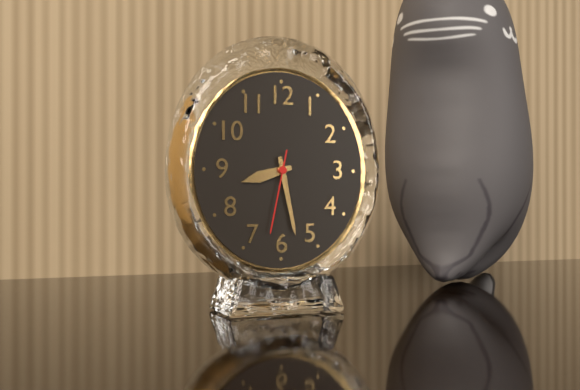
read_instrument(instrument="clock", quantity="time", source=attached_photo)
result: 8:28:32
